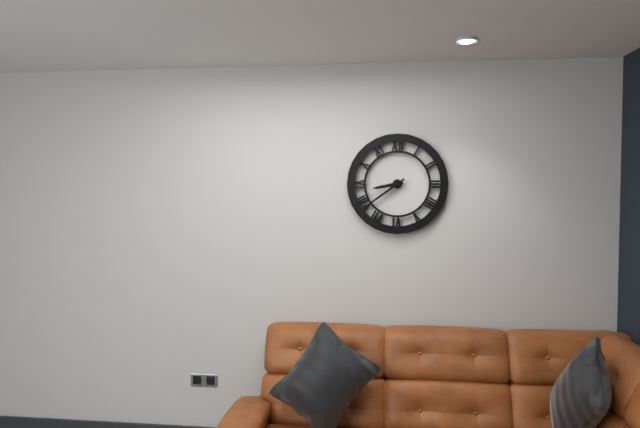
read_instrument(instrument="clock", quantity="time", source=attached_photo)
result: 8:39
